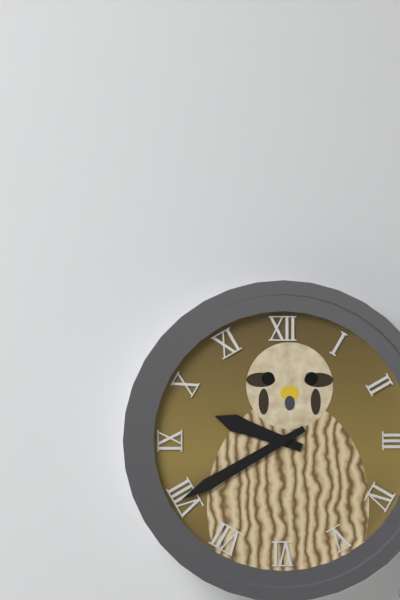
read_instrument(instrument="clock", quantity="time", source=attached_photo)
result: 9:40
